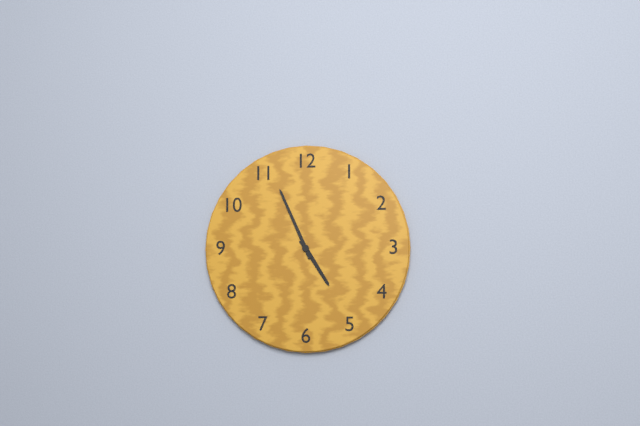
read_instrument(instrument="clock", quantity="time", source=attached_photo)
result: 4:56
